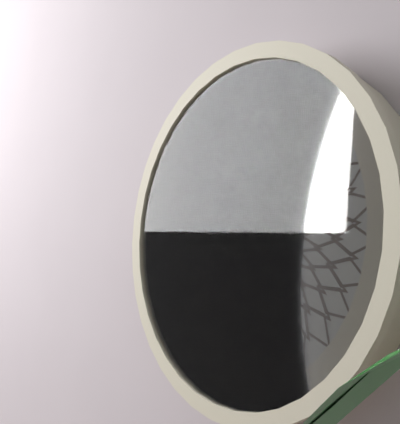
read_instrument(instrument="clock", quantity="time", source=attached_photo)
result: 6:01:26
